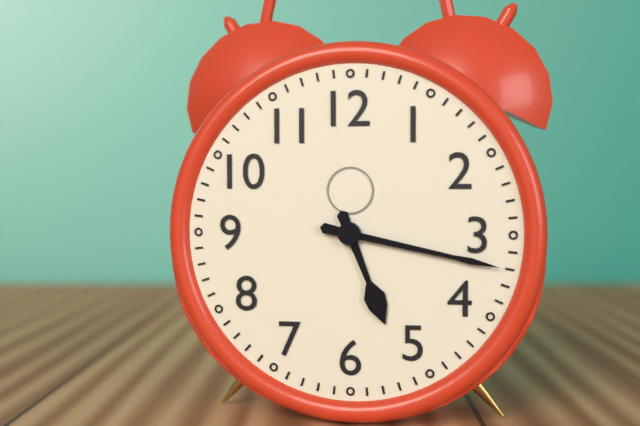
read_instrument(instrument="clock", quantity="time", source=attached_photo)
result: 5:17
